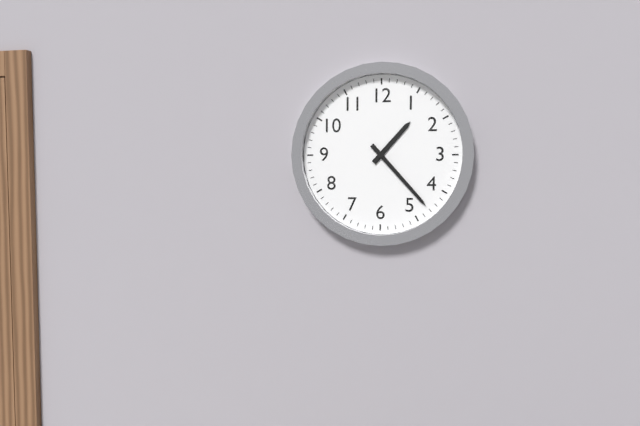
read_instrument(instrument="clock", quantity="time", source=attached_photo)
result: 1:23
